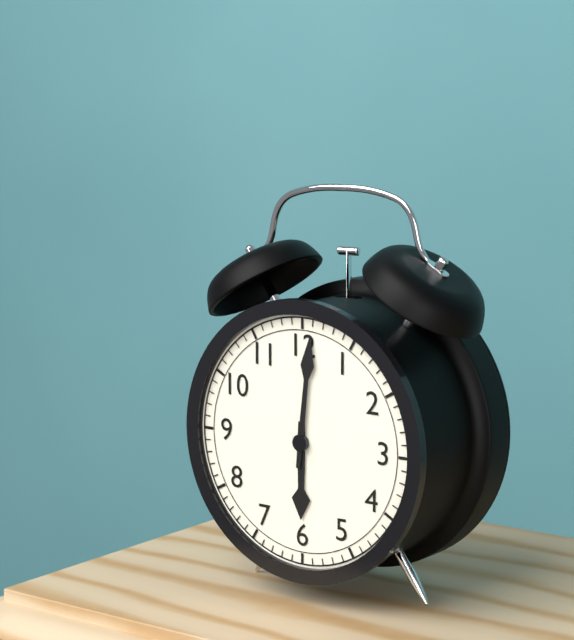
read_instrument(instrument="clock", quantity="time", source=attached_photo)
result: 6:01
